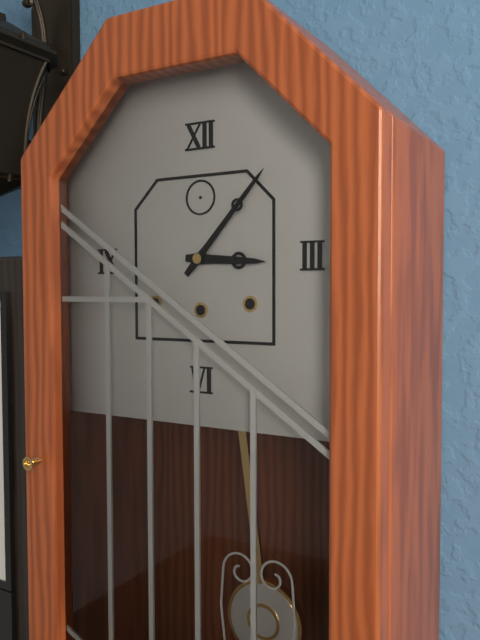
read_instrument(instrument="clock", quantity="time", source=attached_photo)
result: 3:07
